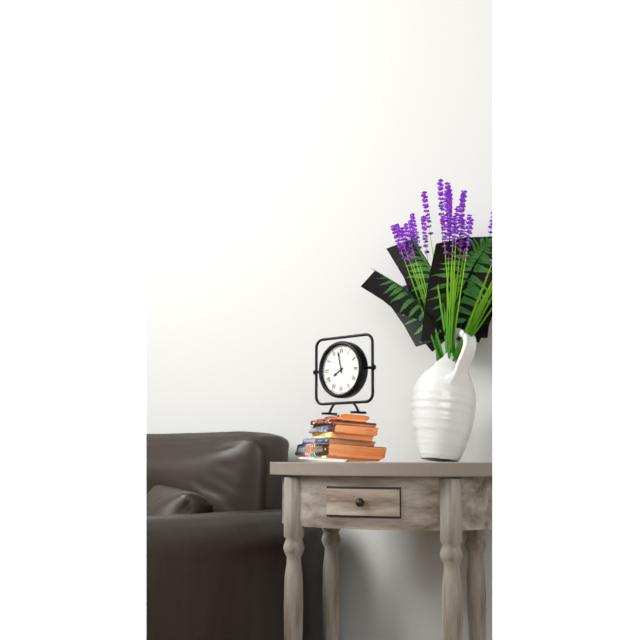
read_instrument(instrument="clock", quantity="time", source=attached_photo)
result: 7:58
